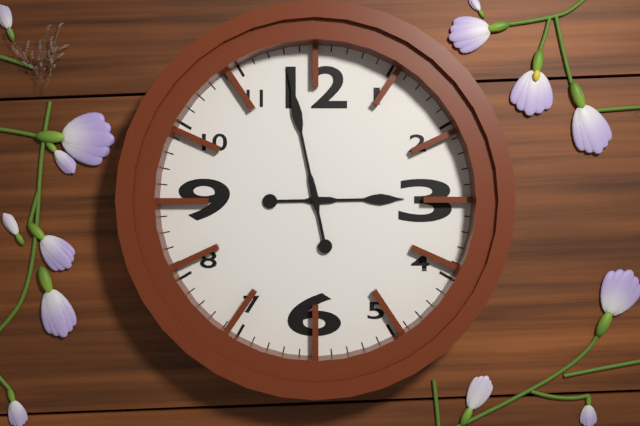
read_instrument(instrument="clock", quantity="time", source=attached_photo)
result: 2:58
